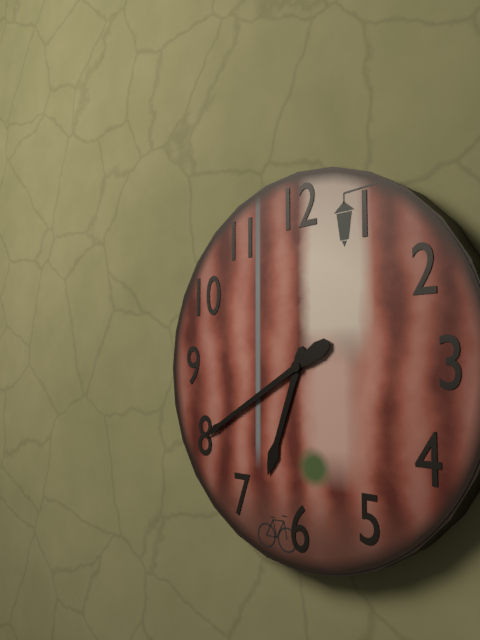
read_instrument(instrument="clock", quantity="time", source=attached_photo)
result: 6:40
